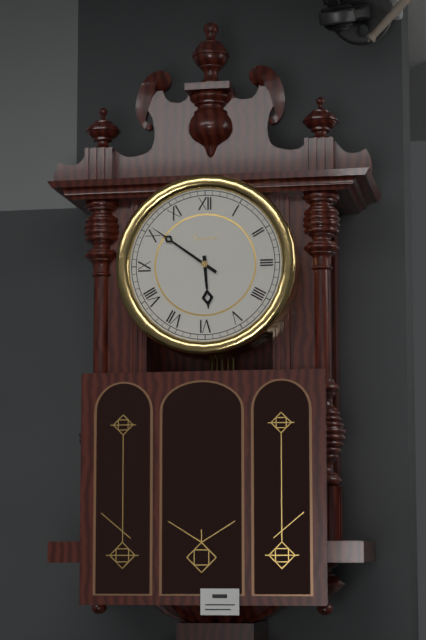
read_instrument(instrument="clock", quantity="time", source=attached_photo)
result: 5:51
